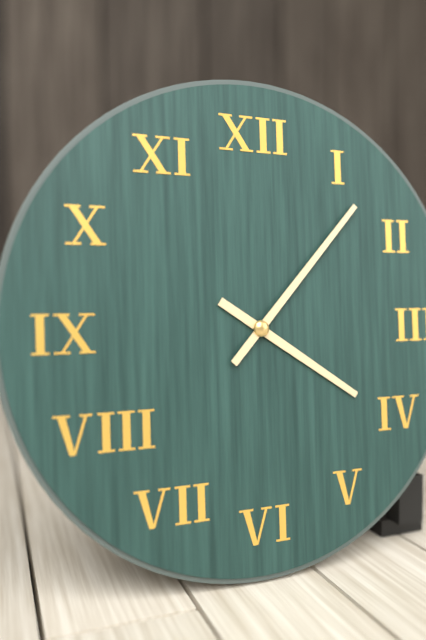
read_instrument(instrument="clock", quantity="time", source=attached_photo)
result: 4:07
